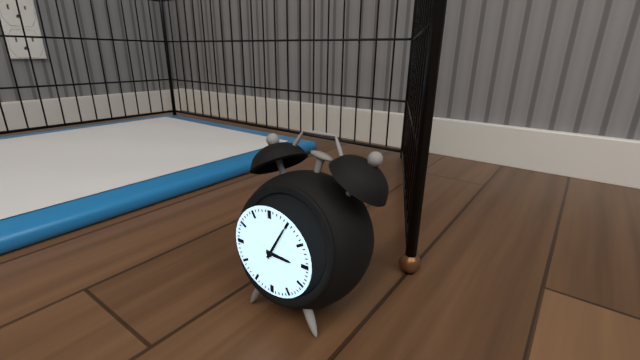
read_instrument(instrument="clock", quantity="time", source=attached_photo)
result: 3:05
